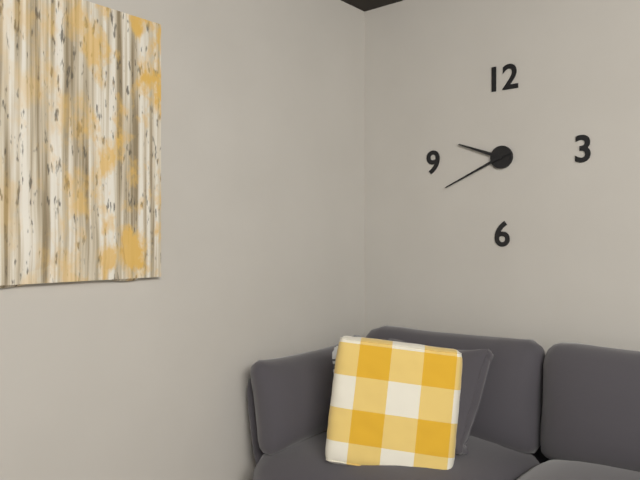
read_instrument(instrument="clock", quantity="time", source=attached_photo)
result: 9:41
